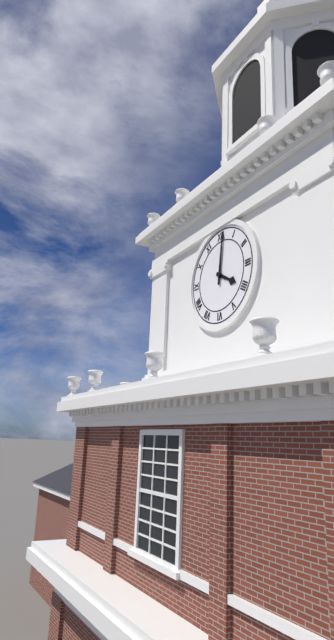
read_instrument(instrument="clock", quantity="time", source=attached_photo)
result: 4:01
